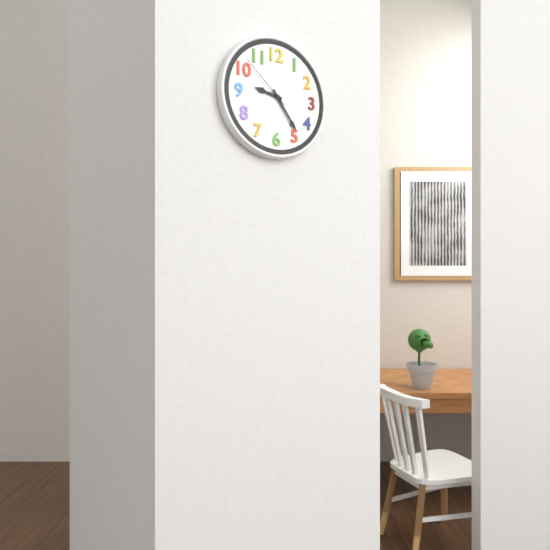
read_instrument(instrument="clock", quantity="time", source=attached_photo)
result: 9:24:52
